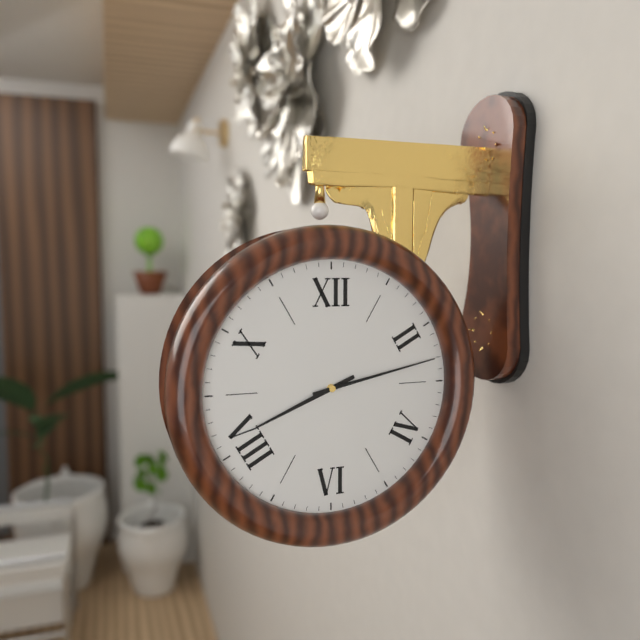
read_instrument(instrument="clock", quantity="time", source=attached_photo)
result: 8:13
